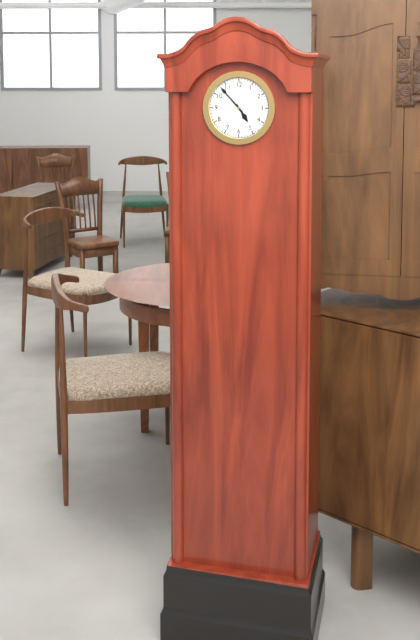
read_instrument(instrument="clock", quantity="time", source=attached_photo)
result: 4:53
